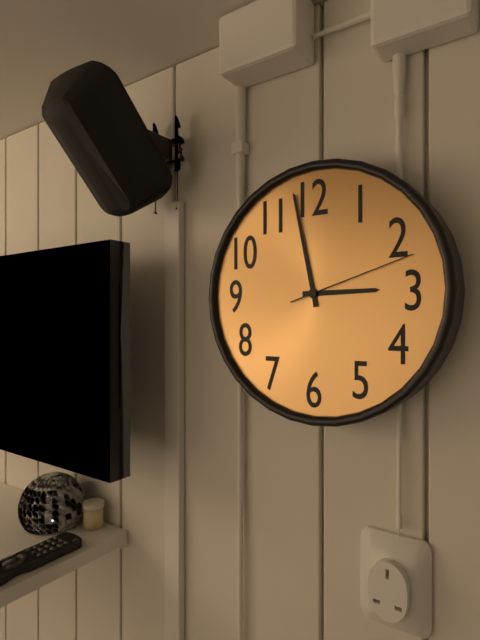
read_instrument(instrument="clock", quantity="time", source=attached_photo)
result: 2:58:12
